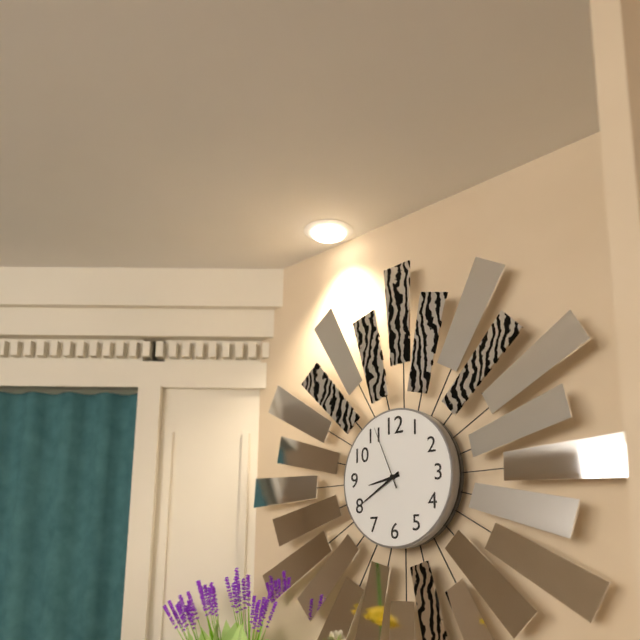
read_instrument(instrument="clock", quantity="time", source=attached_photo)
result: 8:40:56
